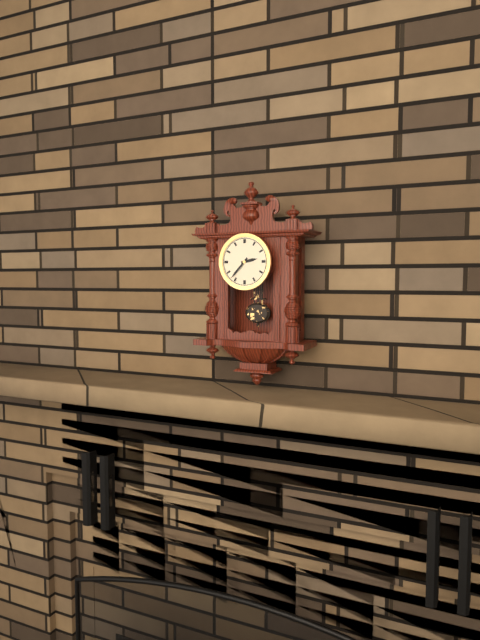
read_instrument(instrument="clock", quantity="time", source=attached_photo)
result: 2:37
